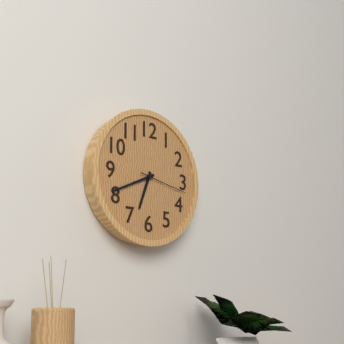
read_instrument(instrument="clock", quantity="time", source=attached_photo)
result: 6:41
